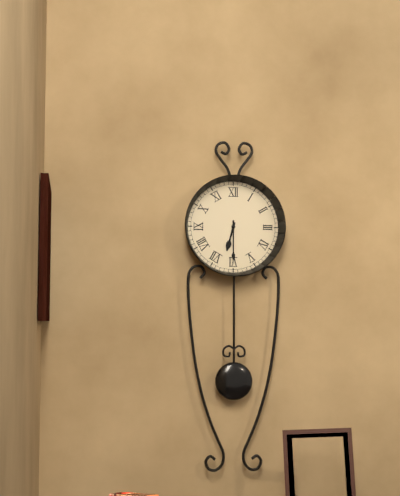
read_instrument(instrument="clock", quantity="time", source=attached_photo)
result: 6:30
